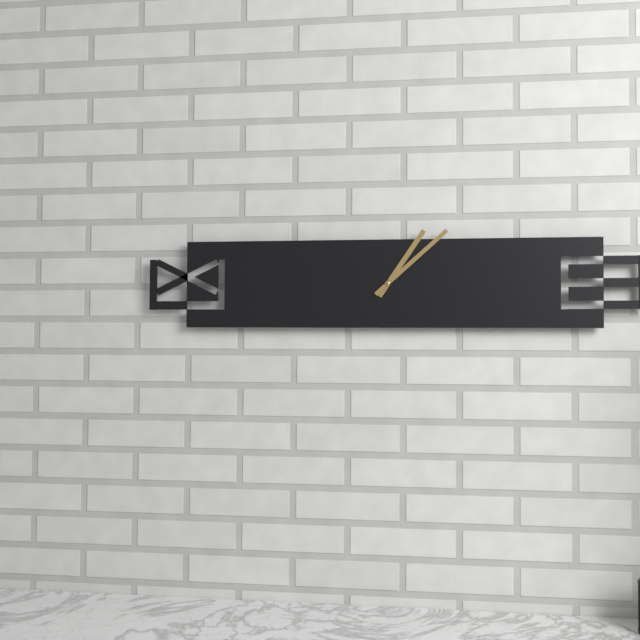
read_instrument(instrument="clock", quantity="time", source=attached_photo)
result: 1:08
